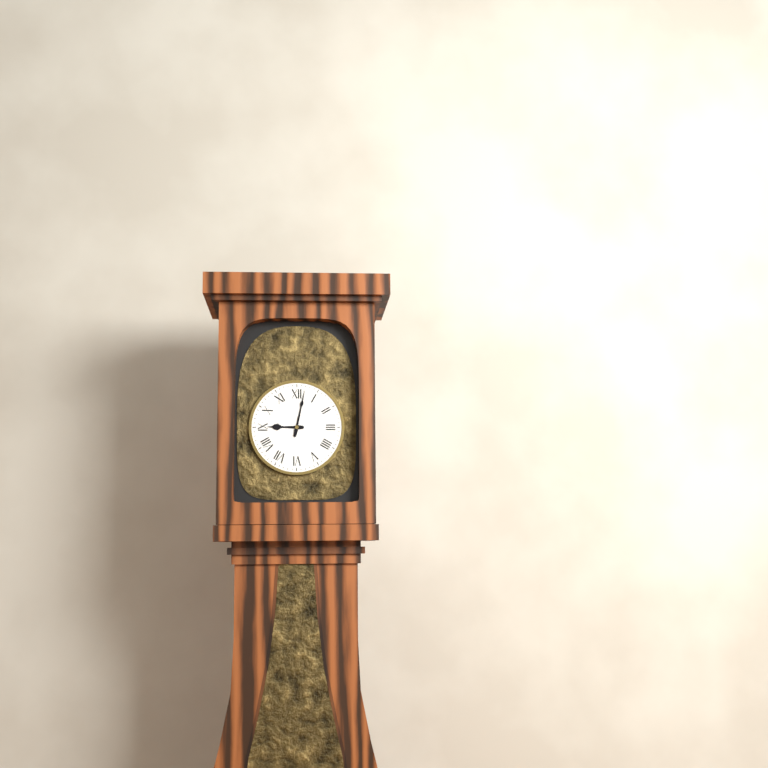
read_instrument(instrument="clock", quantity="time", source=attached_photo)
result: 9:02
